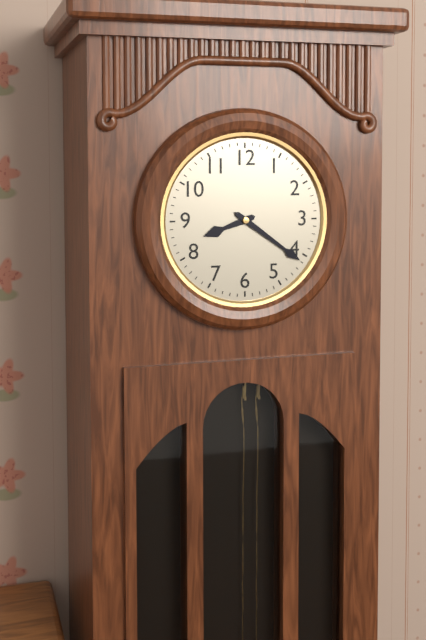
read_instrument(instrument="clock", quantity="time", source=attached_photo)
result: 8:21
